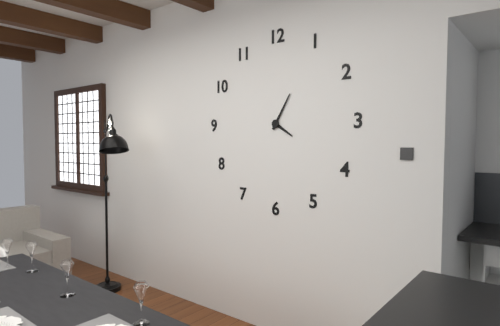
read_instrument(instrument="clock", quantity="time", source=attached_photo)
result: 4:05
